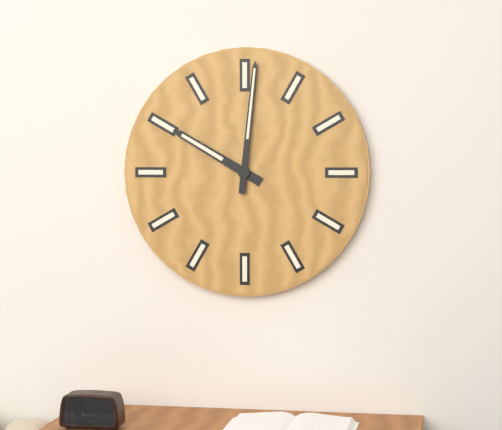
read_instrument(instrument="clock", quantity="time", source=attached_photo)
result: 10:01
